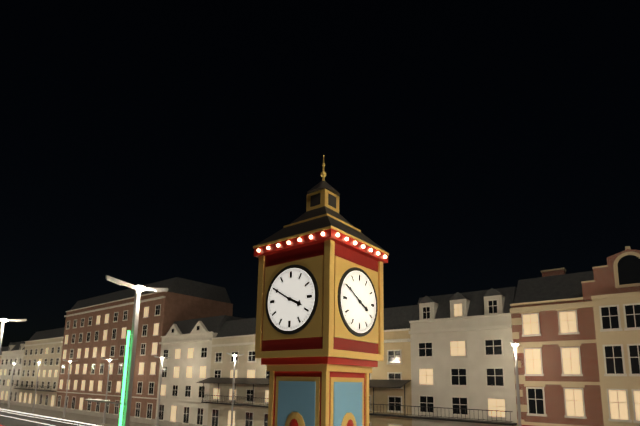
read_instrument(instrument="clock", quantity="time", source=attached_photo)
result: 3:50
